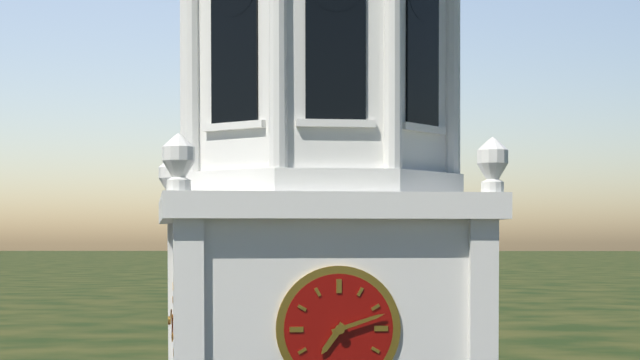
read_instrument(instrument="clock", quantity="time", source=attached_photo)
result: 7:12
